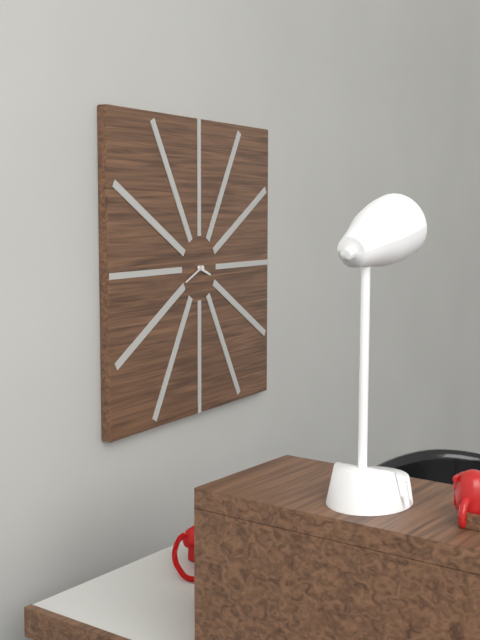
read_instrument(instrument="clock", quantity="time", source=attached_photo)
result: 3:41
